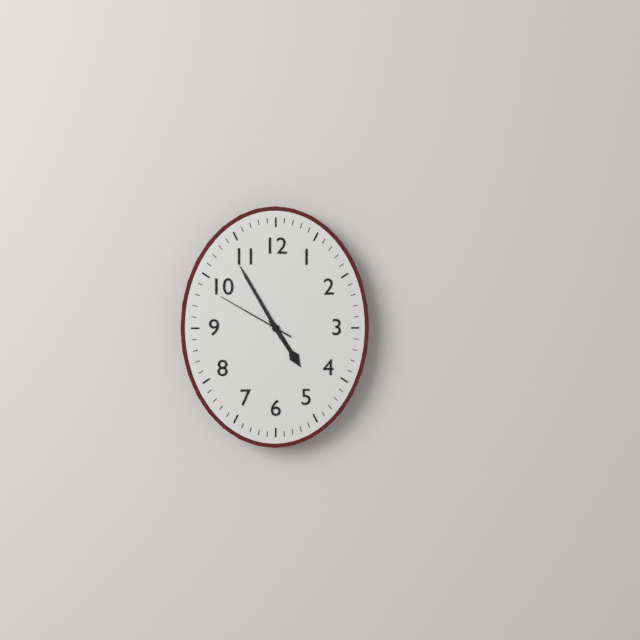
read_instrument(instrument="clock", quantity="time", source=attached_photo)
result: 4:55:50
